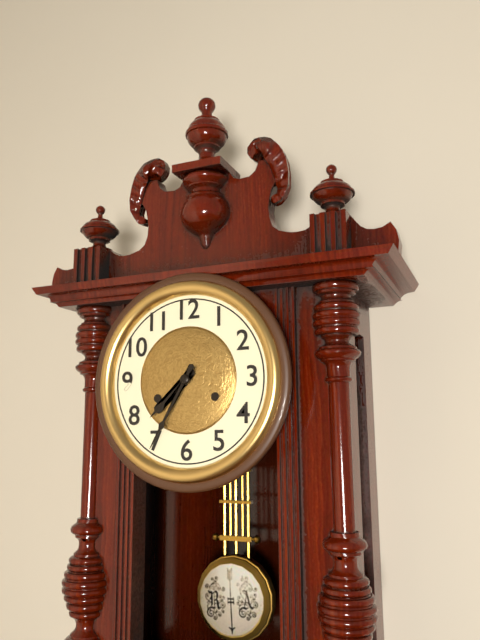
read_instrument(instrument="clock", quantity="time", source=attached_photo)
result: 7:35
